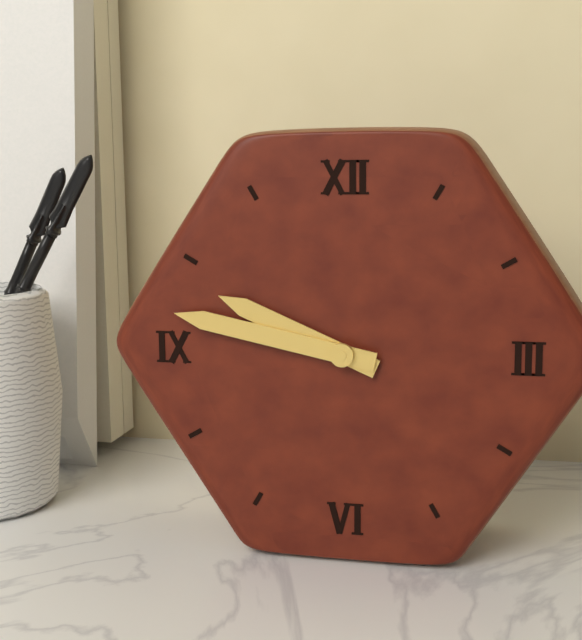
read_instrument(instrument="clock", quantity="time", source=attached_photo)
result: 9:47
